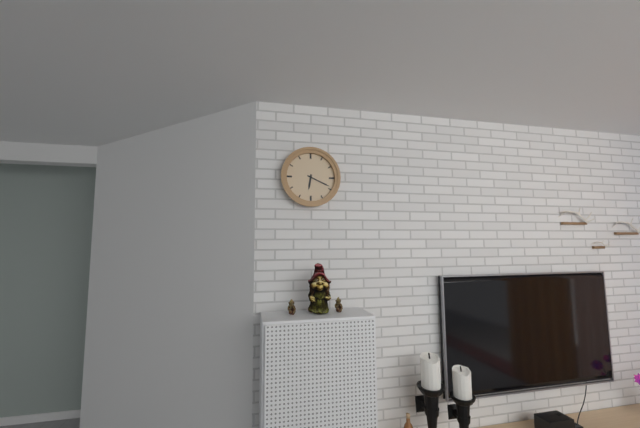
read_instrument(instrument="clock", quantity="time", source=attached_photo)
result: 6:19
